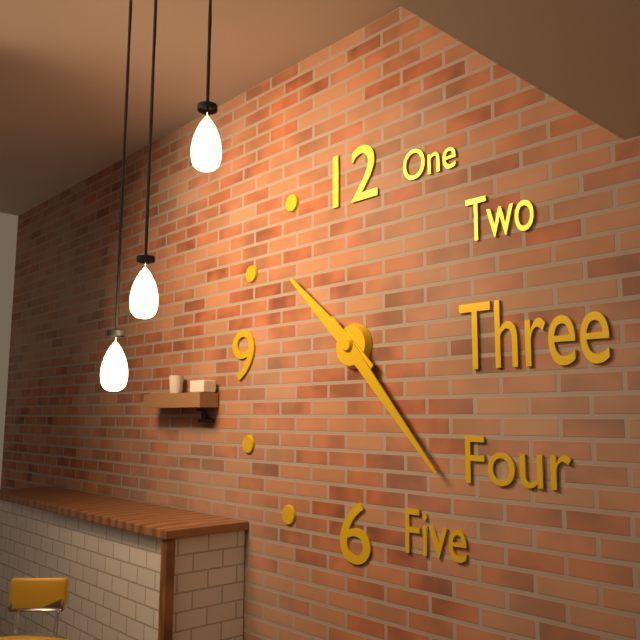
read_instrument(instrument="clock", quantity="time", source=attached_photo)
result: 10:23
